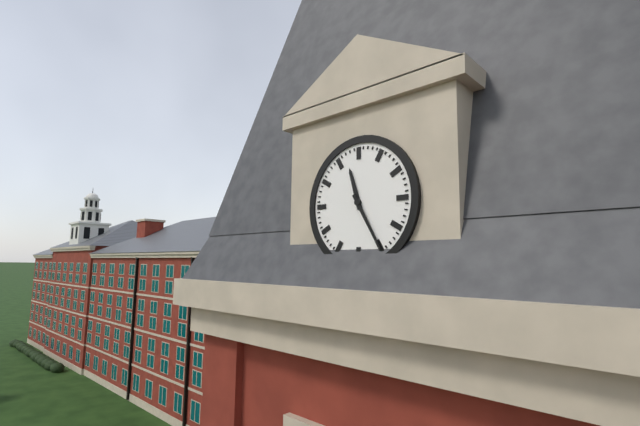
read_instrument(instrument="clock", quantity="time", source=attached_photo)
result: 11:25
